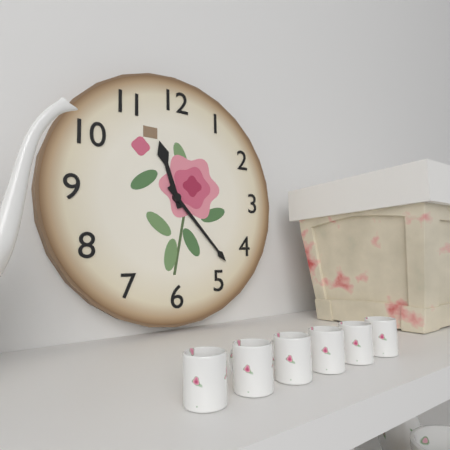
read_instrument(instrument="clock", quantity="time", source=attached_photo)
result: 11:23
